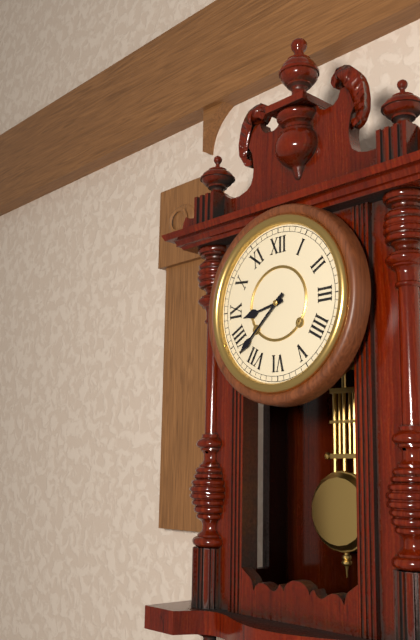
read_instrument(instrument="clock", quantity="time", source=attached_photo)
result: 8:38
